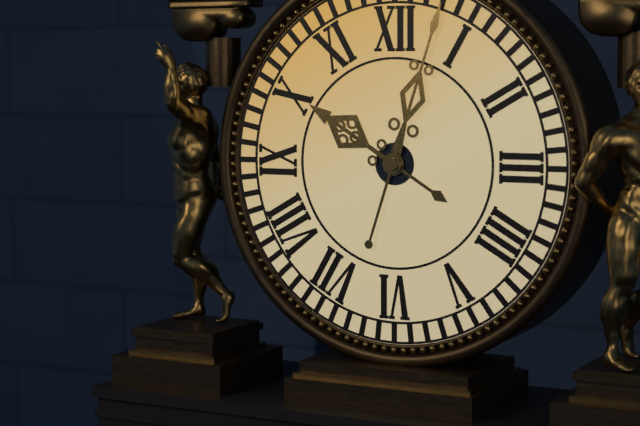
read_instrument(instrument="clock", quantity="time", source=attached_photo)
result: 10:03
